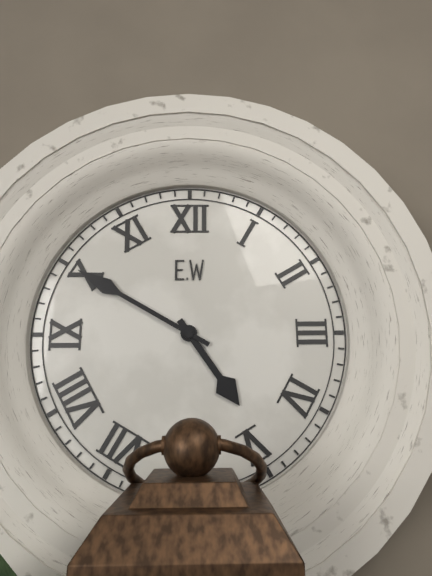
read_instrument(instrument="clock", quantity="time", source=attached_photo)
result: 4:50
